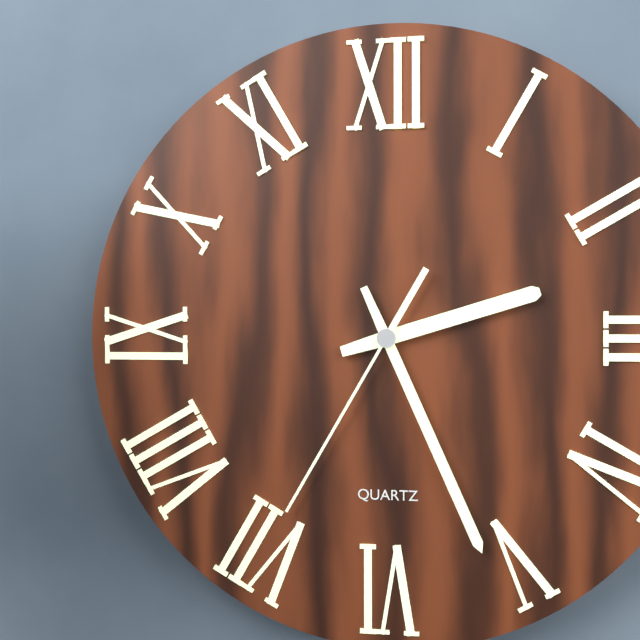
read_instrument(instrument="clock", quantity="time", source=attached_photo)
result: 2:26:35
